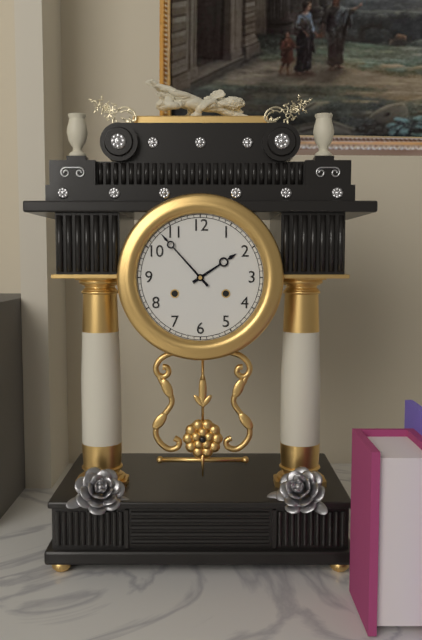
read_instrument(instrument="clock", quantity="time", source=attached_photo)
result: 1:53
